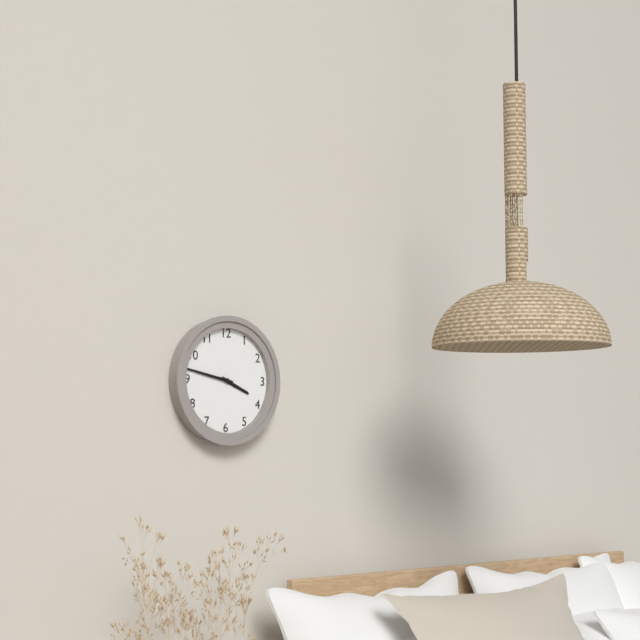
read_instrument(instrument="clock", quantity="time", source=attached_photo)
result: 3:47
